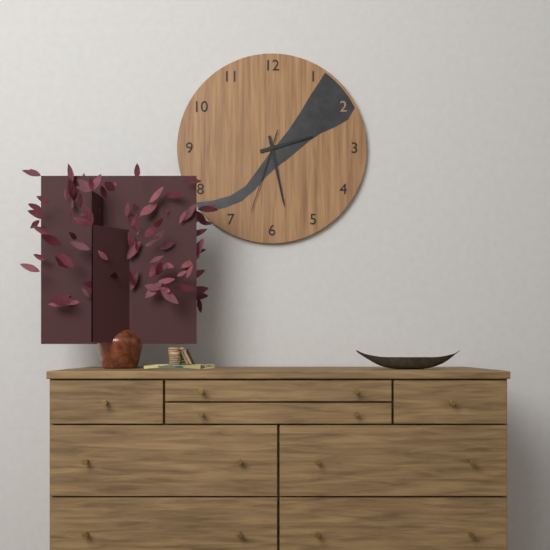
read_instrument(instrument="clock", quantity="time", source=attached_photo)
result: 2:28:33
